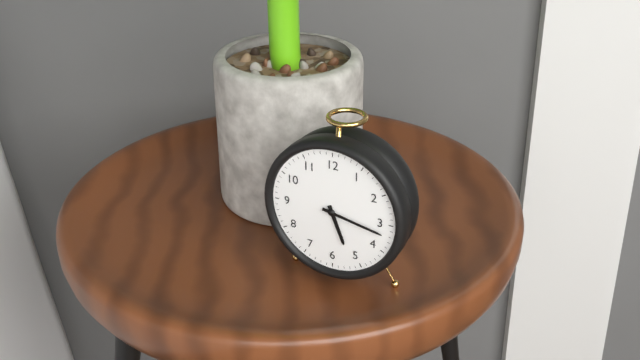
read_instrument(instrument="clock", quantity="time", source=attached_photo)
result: 5:17
